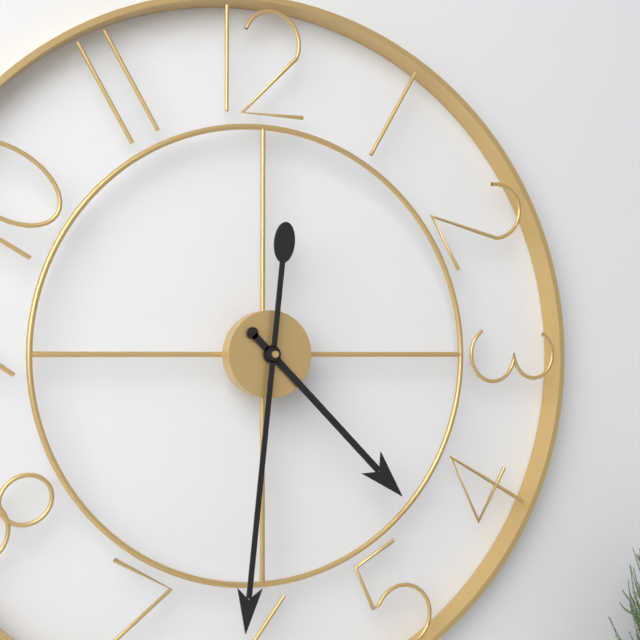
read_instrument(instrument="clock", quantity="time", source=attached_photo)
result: 4:31
